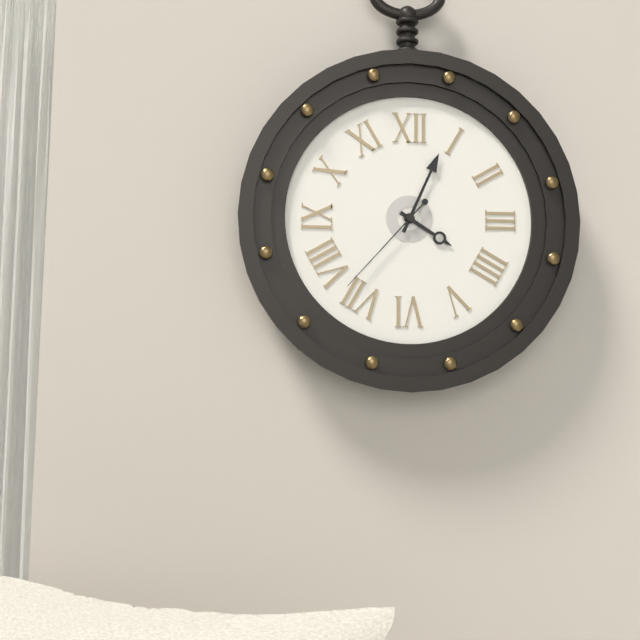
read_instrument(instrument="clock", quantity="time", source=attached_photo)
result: 4:04:37
